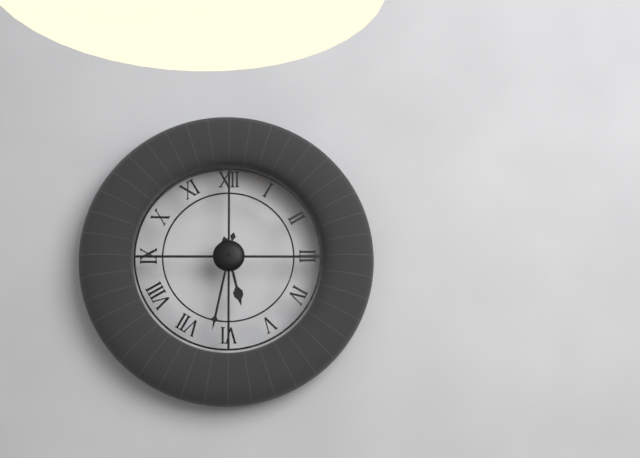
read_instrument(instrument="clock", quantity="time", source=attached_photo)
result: 5:32
